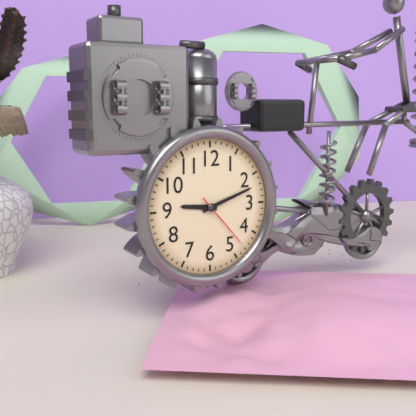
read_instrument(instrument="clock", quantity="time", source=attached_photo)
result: 9:12:23
